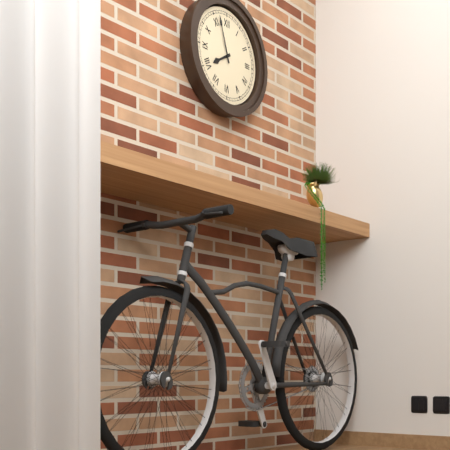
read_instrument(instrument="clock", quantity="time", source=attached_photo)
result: 7:57
